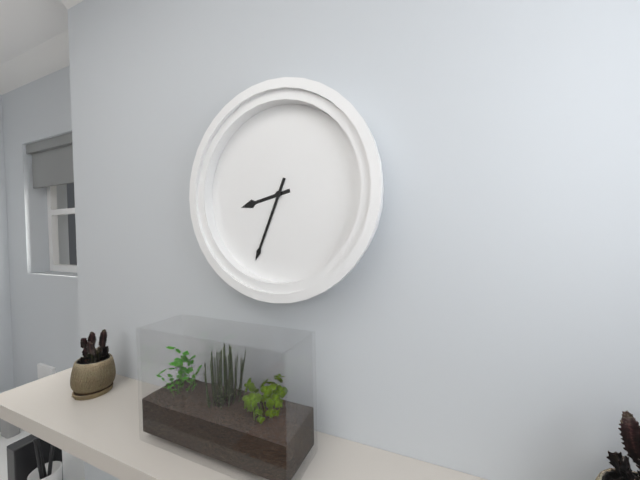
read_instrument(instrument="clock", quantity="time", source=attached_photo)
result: 8:34
